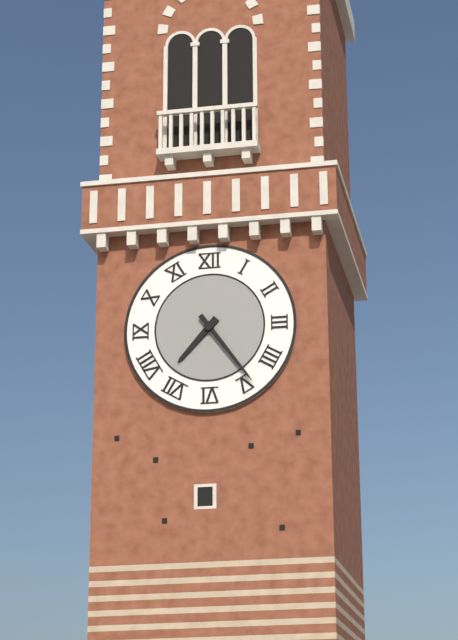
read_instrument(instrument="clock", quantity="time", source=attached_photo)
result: 7:24
